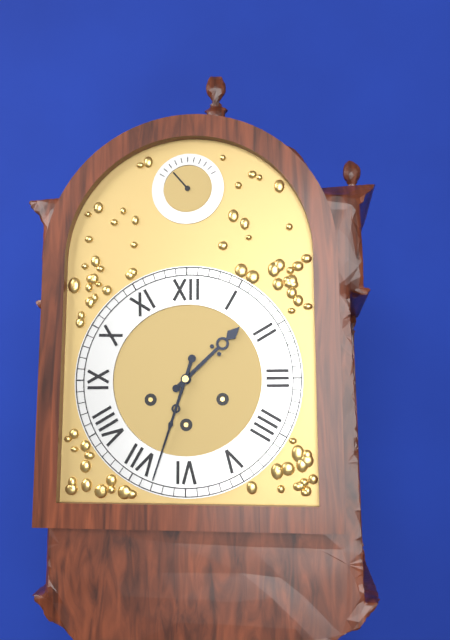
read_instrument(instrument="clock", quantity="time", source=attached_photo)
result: 1:33
